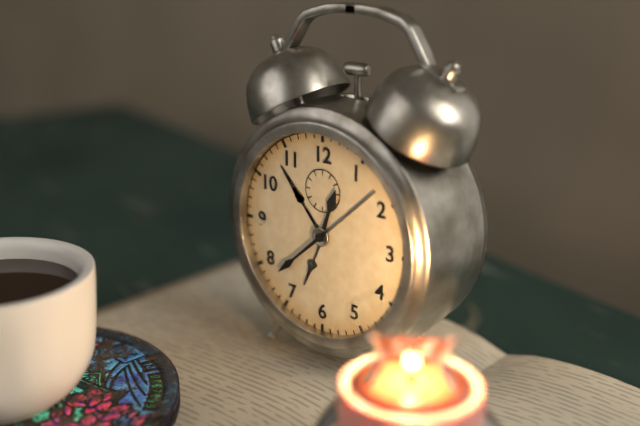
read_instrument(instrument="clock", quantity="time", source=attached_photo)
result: 12:38
